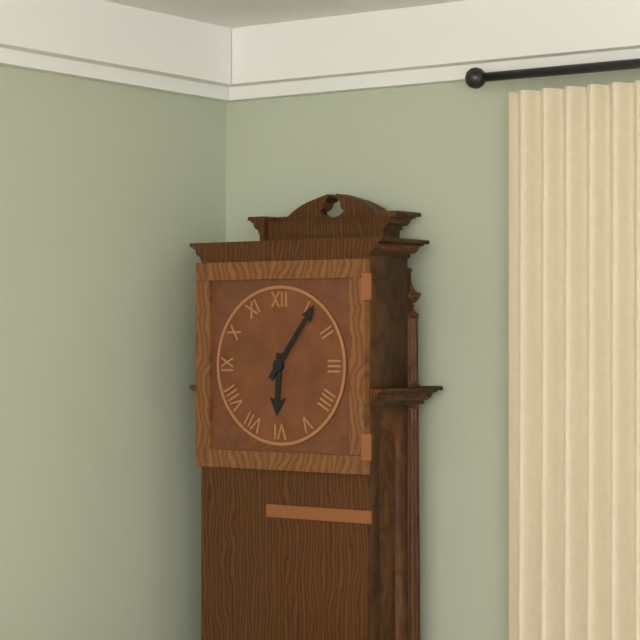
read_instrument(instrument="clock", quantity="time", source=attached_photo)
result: 6:06
